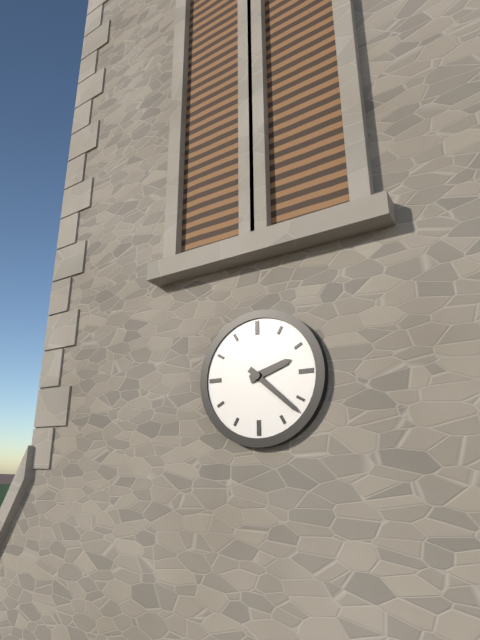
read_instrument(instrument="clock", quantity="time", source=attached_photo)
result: 2:22
